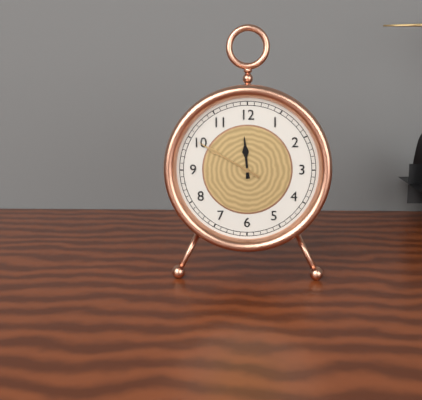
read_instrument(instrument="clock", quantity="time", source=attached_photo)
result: 11:50
